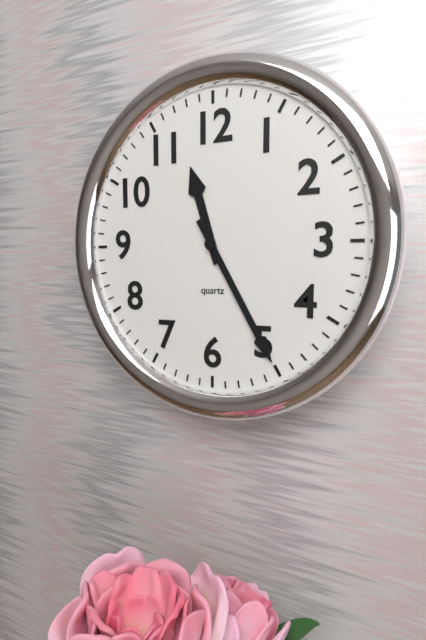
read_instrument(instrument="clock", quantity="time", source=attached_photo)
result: 11:25
